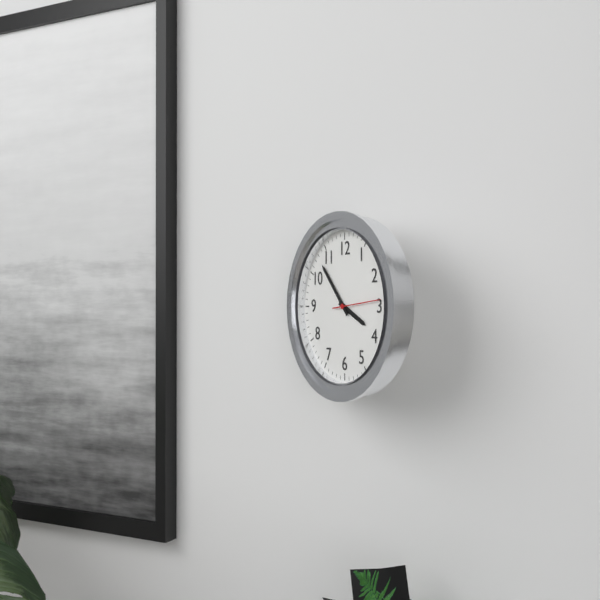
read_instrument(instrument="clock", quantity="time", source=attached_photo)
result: 3:53
